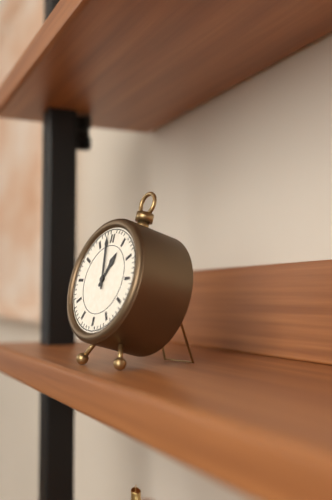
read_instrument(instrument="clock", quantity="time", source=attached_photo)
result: 12:58
